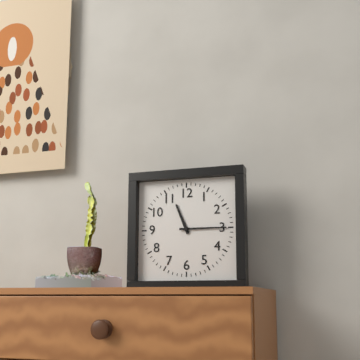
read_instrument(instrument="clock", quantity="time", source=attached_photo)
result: 11:15
